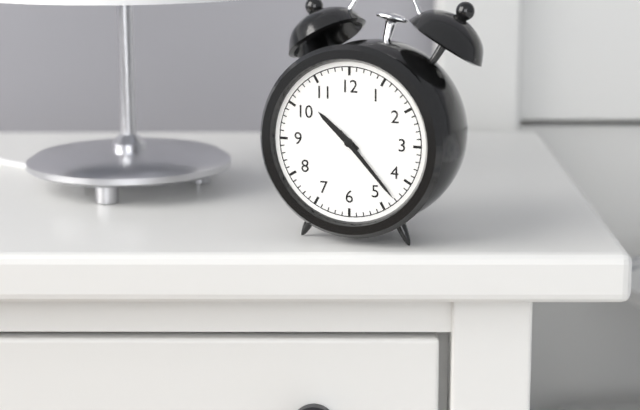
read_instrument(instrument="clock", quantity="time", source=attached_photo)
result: 10:23
